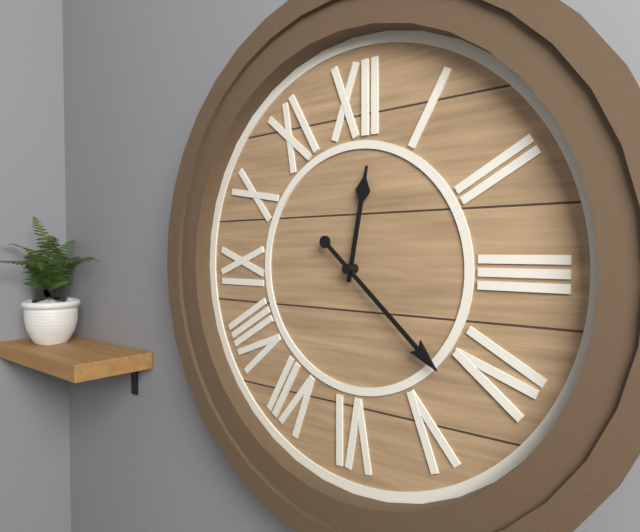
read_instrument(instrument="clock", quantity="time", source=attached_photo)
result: 12:22
